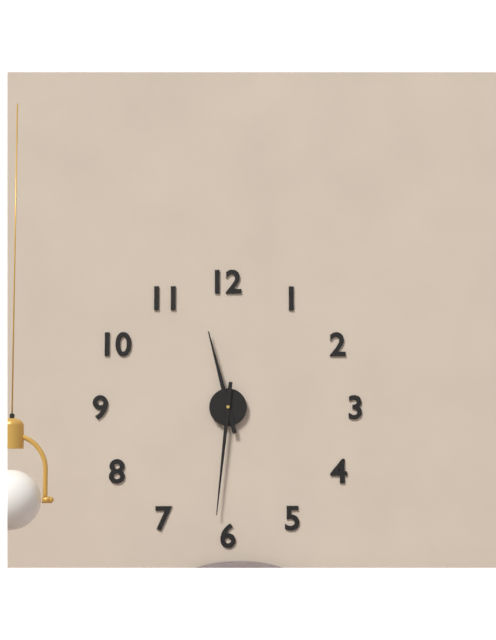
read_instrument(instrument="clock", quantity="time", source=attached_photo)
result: 11:31
